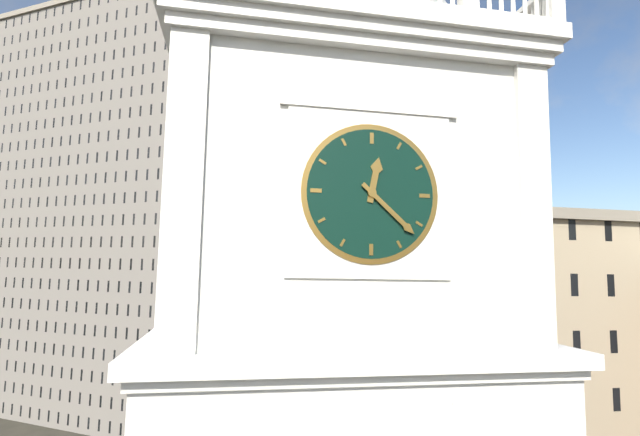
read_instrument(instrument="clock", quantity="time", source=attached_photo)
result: 12:22
